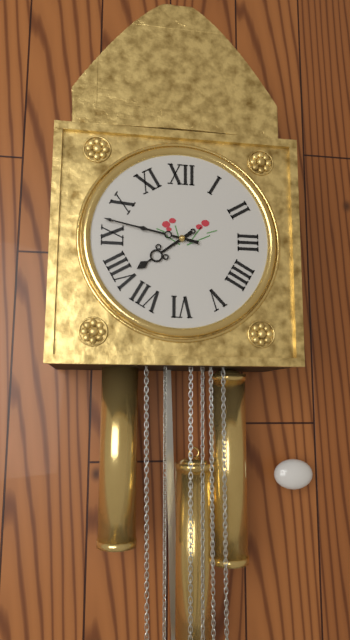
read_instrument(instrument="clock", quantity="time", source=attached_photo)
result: 7:47
